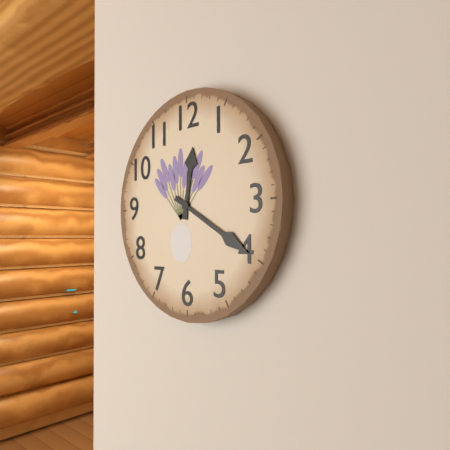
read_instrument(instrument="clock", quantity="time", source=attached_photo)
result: 12:20
